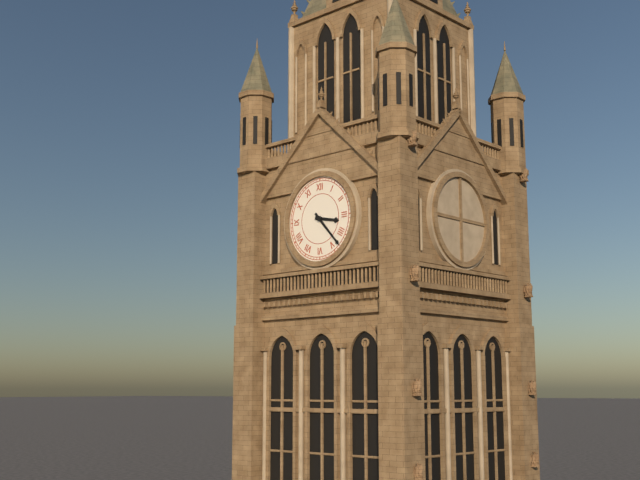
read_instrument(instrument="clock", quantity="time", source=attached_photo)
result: 3:23
